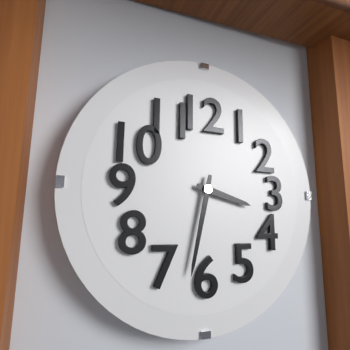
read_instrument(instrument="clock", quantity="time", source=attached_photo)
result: 3:32
